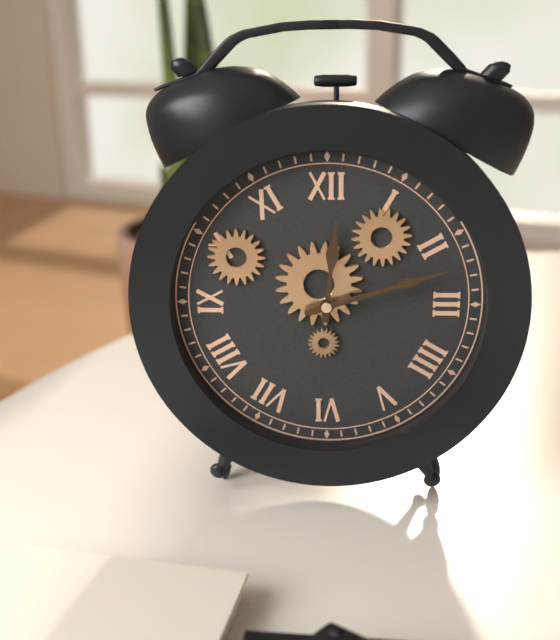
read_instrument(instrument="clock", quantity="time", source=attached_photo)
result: 12:12
